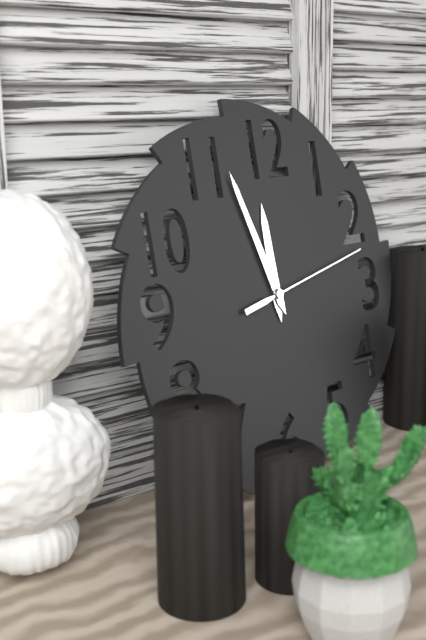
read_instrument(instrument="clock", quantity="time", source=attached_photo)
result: 11:57:13
